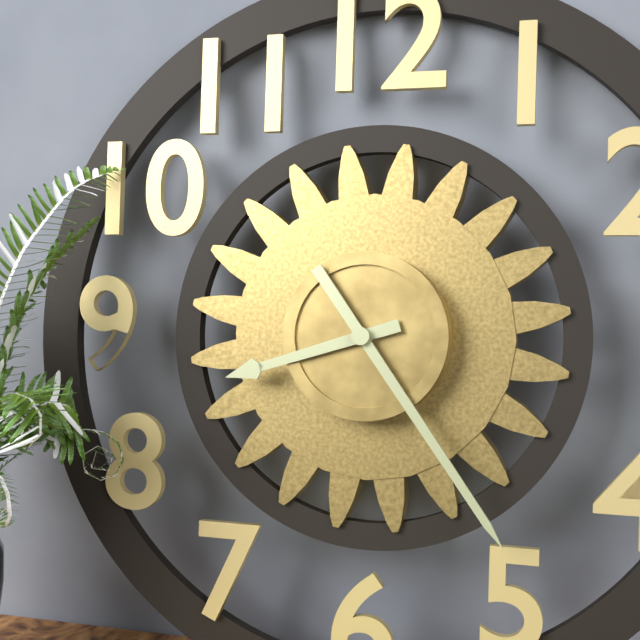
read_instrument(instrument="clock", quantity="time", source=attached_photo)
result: 8:24
